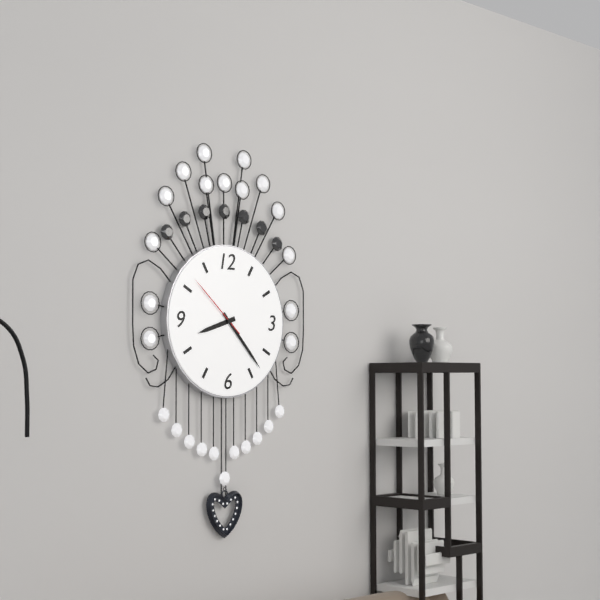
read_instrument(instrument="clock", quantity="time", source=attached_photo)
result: 8:23:52
